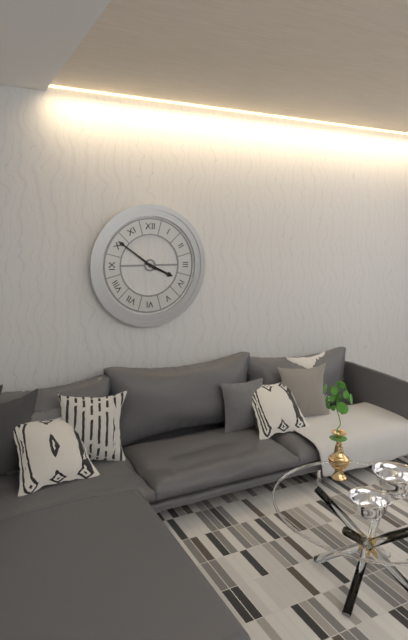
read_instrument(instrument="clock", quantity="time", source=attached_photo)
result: 3:51
